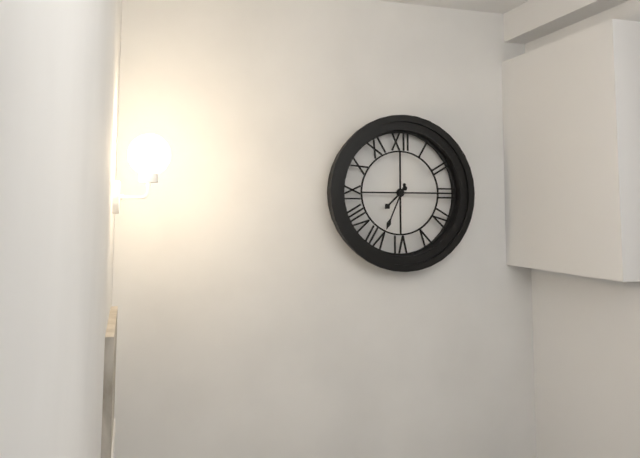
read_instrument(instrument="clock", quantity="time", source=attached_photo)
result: 7:34
